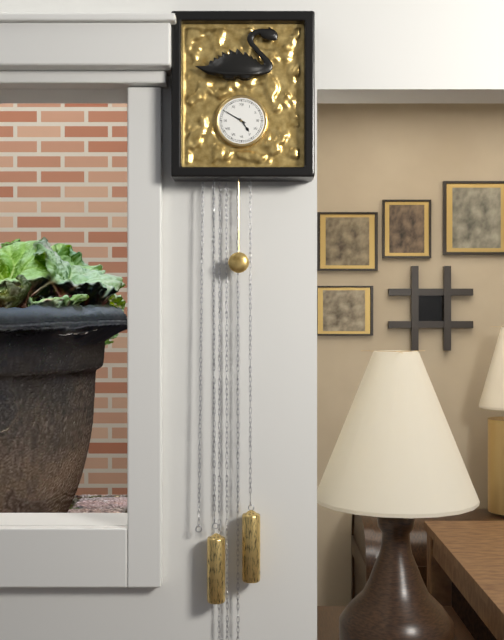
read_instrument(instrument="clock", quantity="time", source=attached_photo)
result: 4:50
